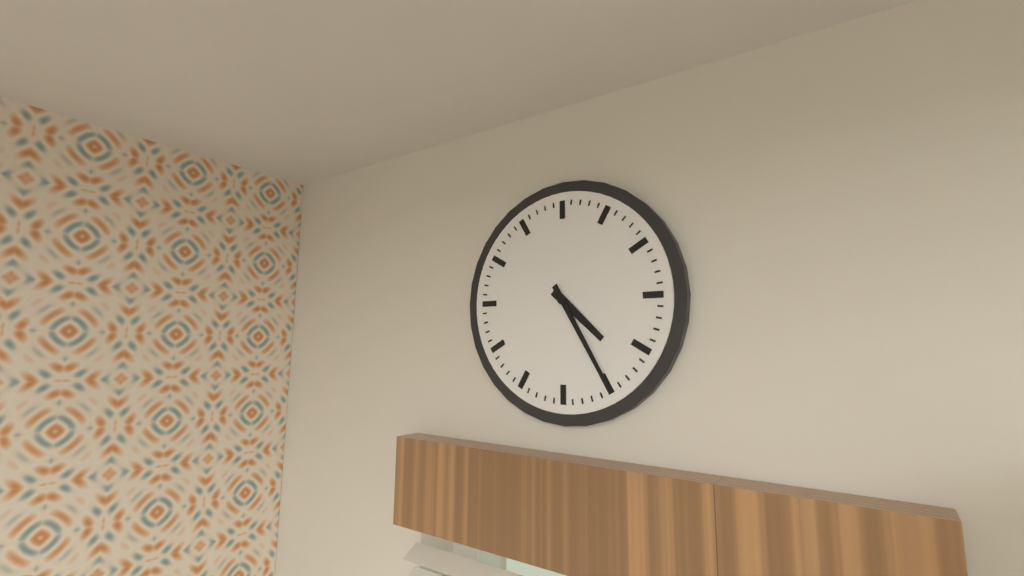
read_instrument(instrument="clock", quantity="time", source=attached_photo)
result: 4:25
